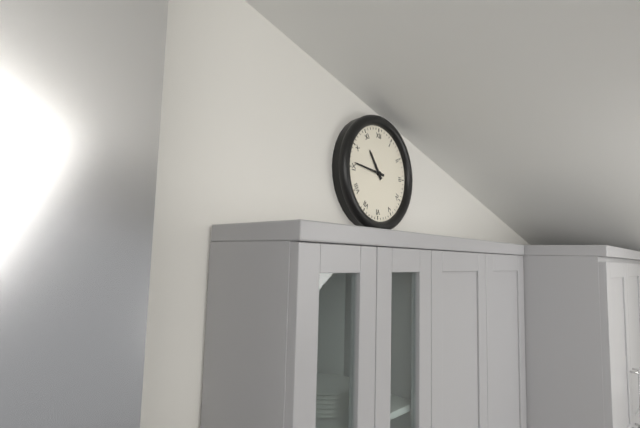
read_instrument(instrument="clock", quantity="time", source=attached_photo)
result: 10:46
